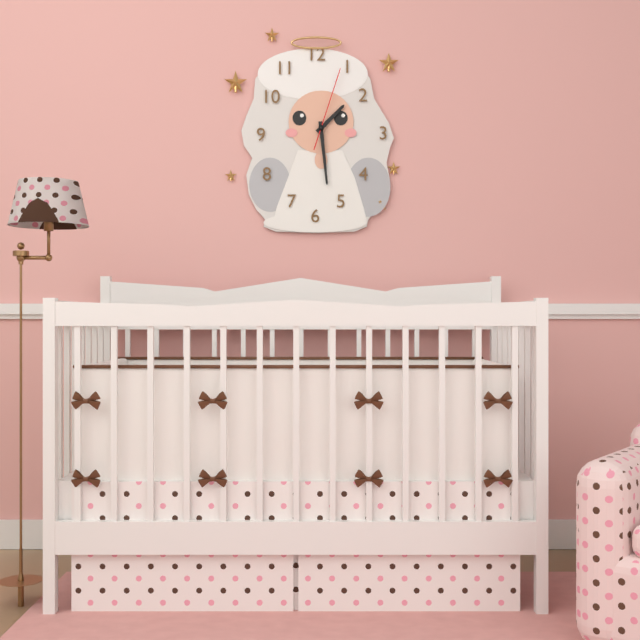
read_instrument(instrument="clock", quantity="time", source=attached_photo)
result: 1:29:03
